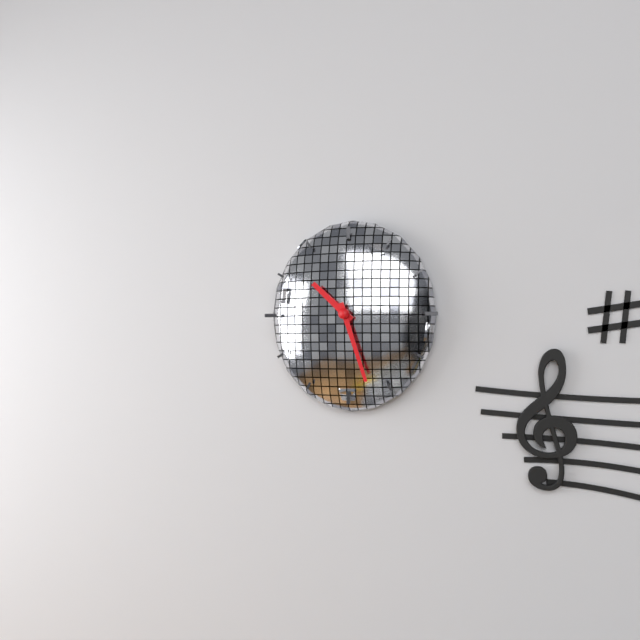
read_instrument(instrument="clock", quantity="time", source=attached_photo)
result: 10:27
